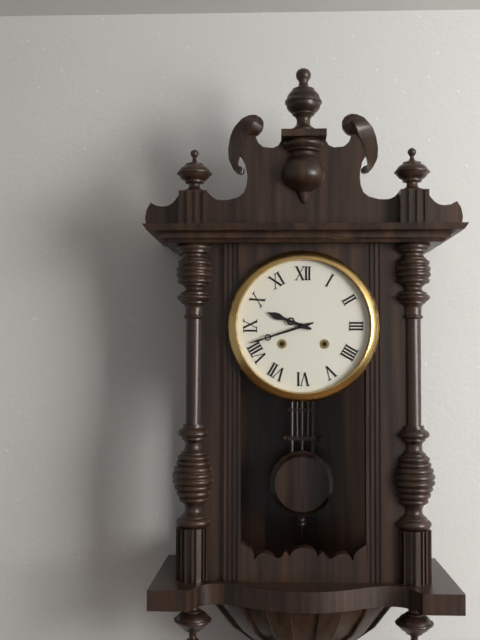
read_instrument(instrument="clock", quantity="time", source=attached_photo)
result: 9:42
